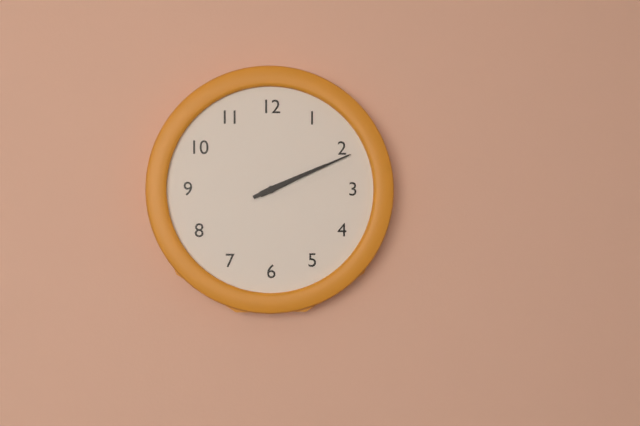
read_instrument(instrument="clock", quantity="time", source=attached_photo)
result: 2:11
